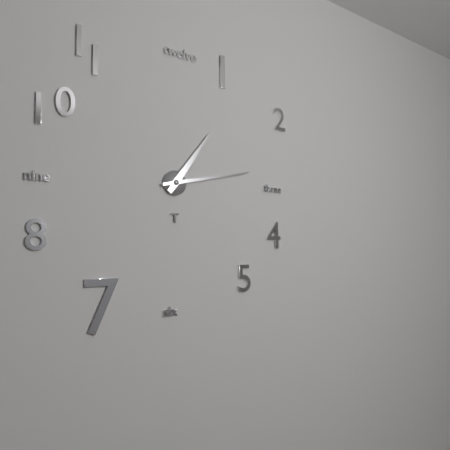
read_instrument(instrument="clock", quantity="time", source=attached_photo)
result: 1:13
